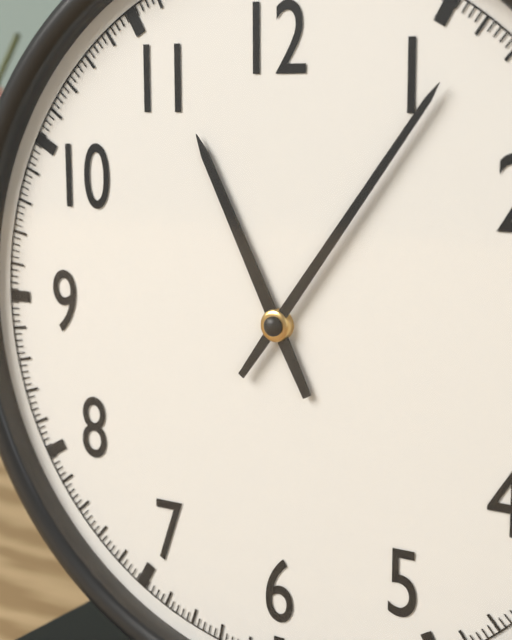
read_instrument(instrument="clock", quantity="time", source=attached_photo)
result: 11:06
